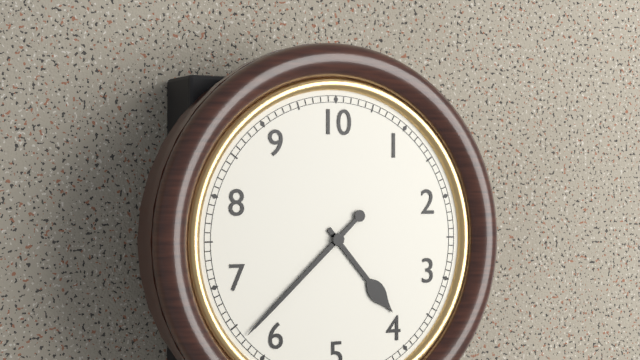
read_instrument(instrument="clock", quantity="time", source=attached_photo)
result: 4:38
